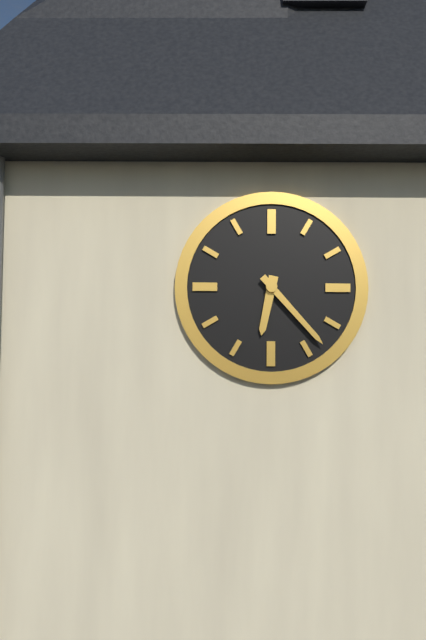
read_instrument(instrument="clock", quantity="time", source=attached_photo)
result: 6:23
